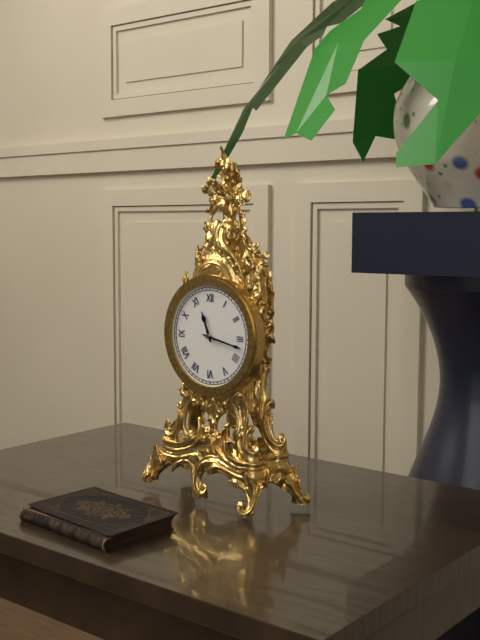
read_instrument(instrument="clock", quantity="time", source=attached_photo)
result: 11:17
